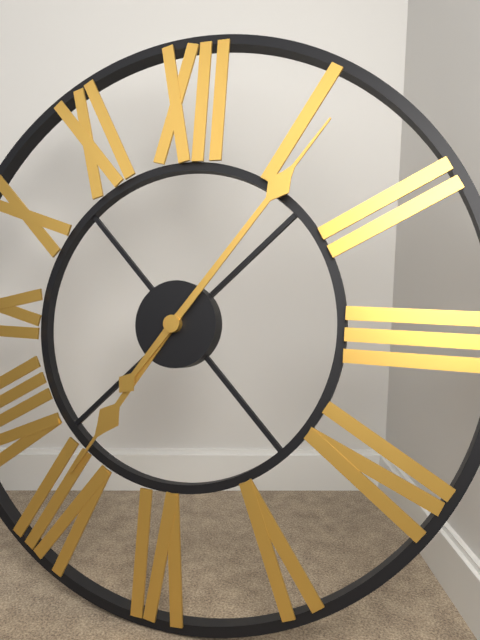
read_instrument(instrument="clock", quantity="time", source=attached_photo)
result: 7:06
